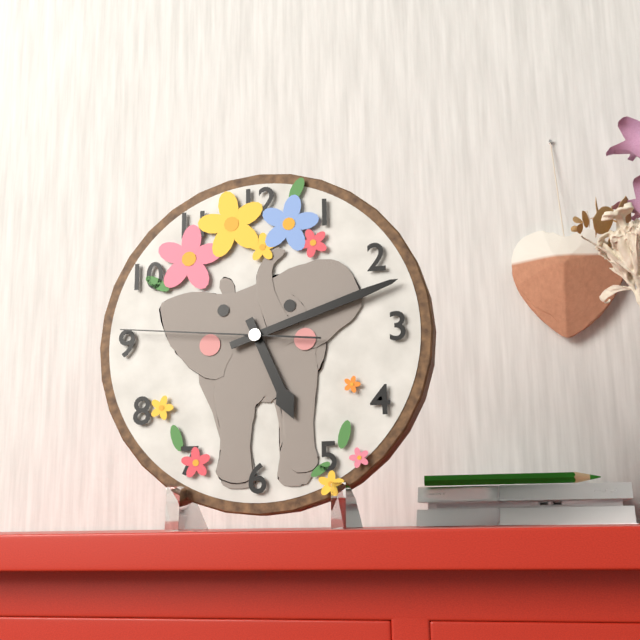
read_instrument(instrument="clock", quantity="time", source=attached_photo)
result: 5:12:46
